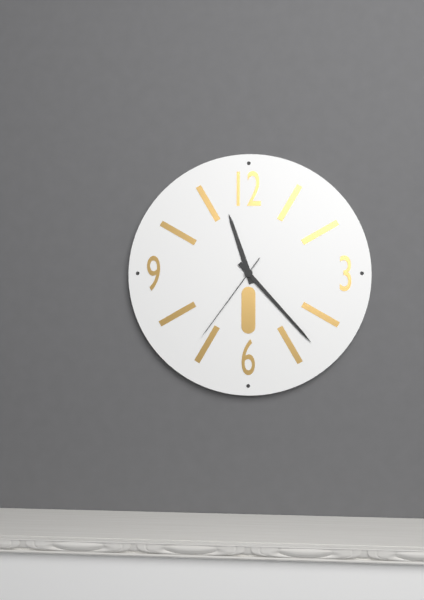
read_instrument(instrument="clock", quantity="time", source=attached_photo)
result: 11:23:36
